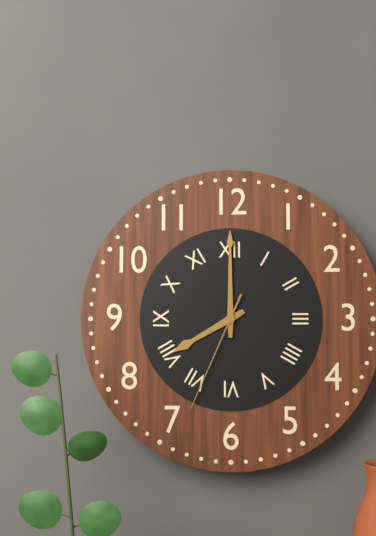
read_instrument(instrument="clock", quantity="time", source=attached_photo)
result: 8:00:34
